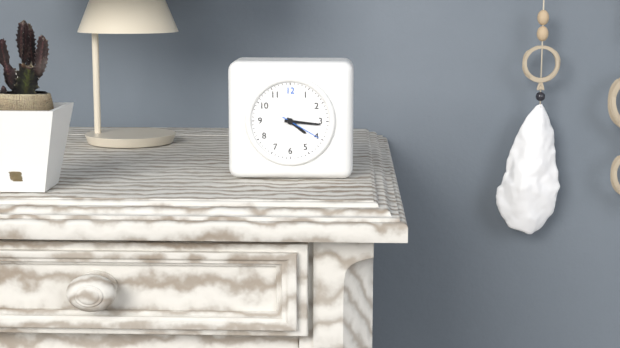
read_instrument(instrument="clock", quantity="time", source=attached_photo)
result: 4:16
